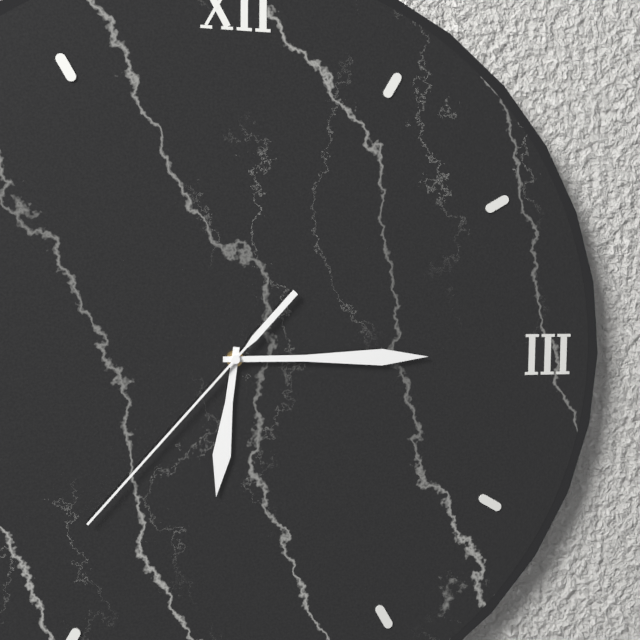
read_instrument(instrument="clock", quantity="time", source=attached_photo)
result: 6:15:37
